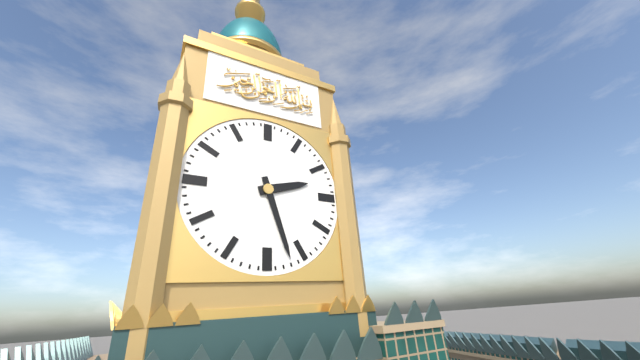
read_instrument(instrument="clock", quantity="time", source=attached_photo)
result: 2:27
